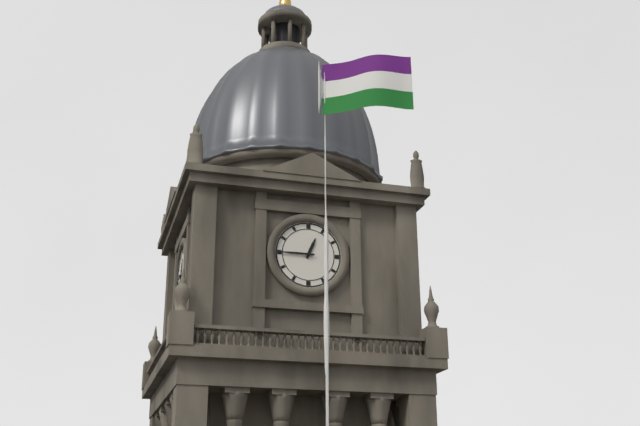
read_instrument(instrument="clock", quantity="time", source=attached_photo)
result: 12:45
